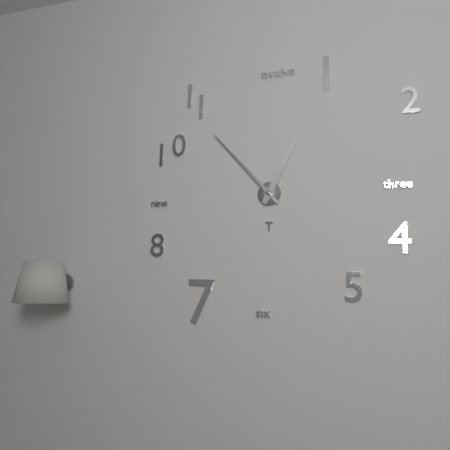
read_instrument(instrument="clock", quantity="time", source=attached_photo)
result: 12:53
